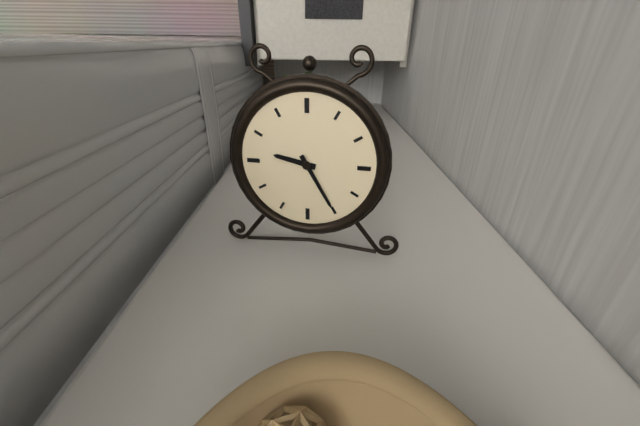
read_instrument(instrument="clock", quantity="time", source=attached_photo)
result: 9:25
